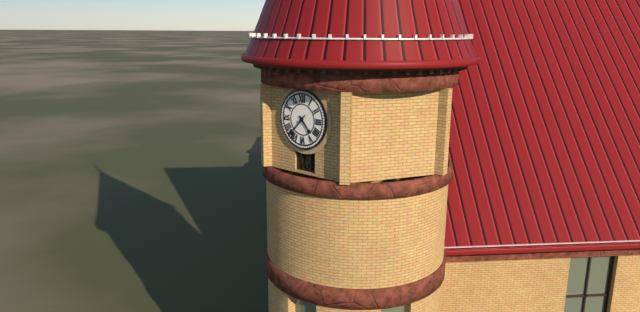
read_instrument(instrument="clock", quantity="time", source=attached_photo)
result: 4:37
